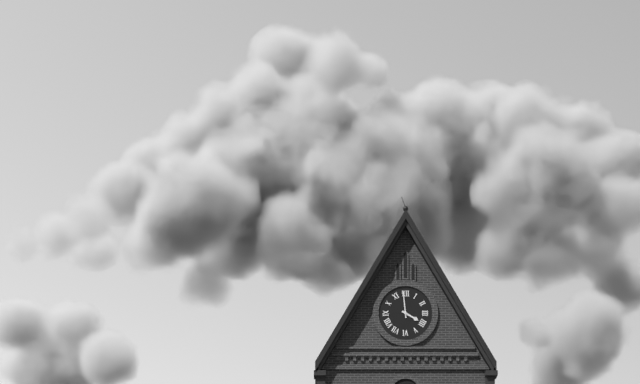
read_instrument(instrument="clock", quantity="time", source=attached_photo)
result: 3:59
